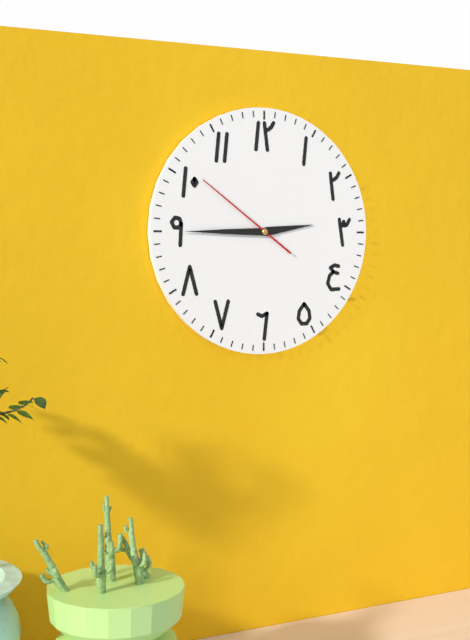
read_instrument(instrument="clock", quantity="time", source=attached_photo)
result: 2:45:51
